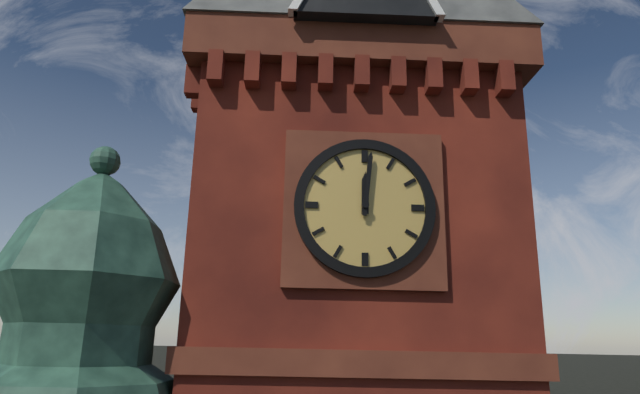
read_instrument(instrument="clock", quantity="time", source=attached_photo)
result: 12:01
